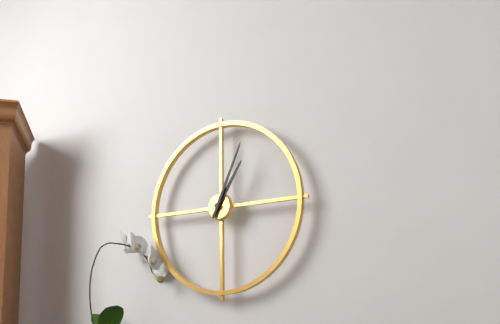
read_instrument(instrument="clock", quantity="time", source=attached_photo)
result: 1:04
